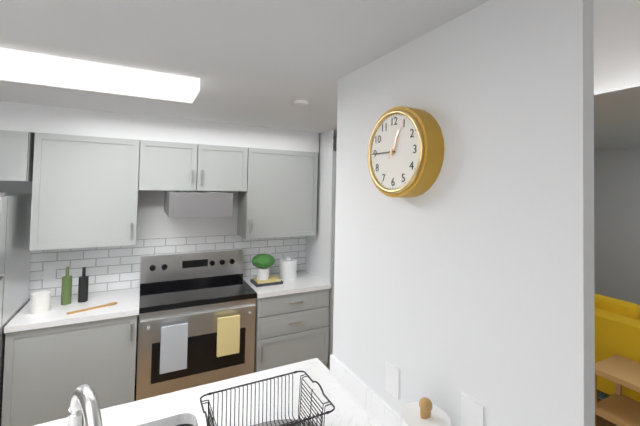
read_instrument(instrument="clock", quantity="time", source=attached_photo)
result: 12:45
